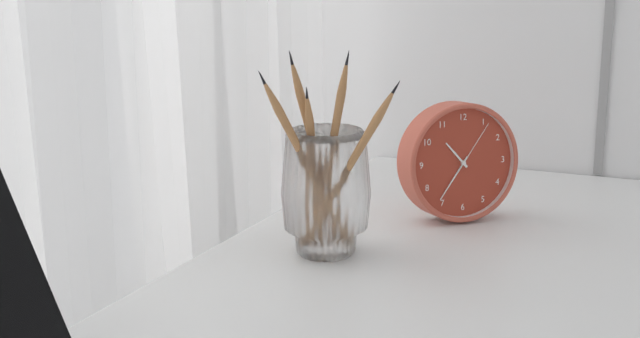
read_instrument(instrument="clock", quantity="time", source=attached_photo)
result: 10:36:06
